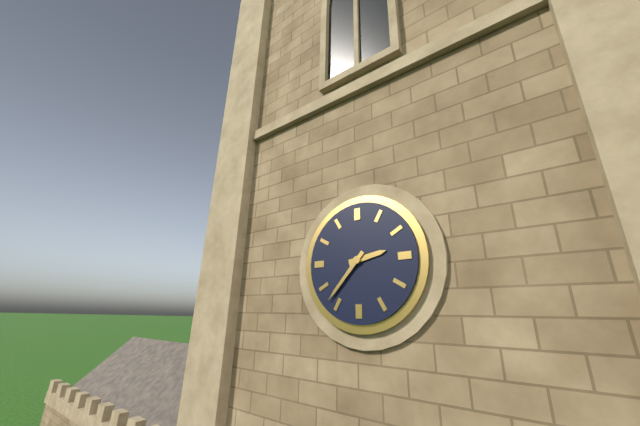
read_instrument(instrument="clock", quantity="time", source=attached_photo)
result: 2:37
